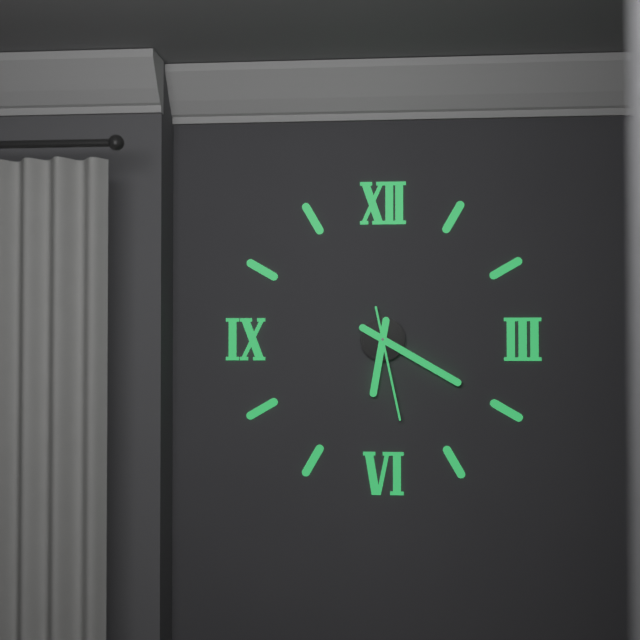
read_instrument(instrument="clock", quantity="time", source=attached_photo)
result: 6:20:28
